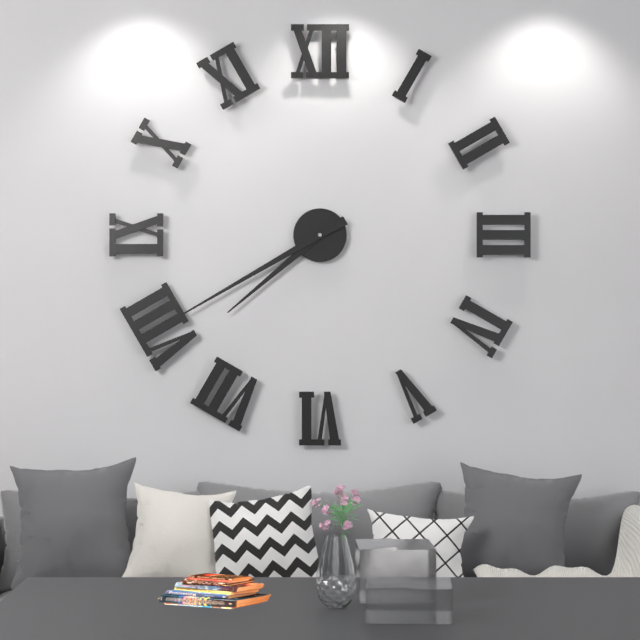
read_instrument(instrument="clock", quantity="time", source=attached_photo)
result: 7:40
